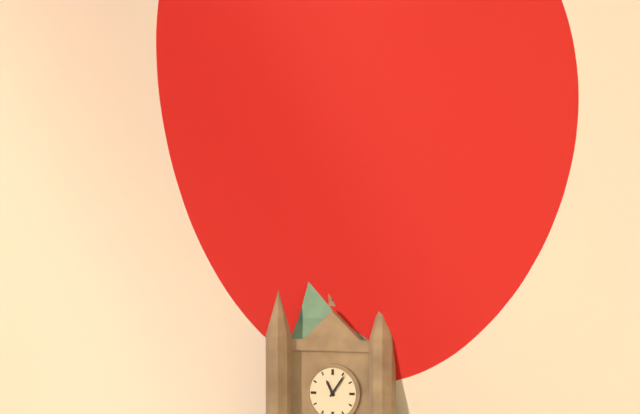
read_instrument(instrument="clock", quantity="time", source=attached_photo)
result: 11:06
